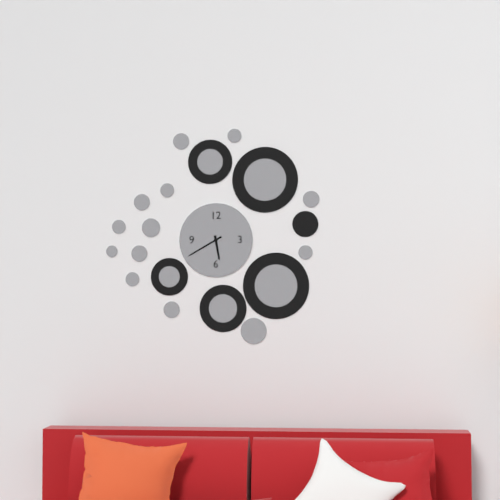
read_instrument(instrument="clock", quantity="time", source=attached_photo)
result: 5:40
